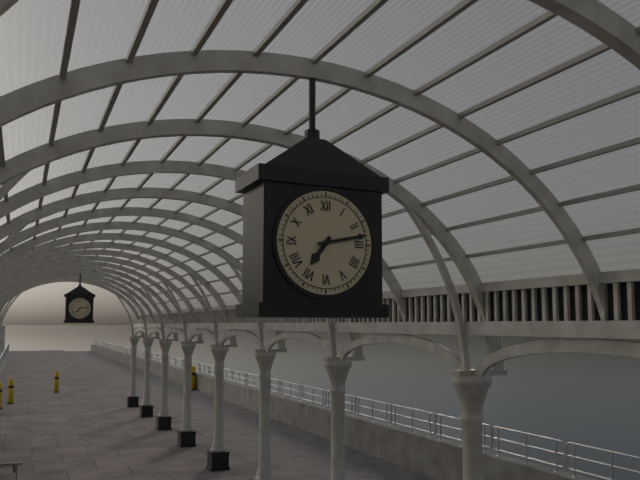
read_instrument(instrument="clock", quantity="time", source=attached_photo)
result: 7:13
